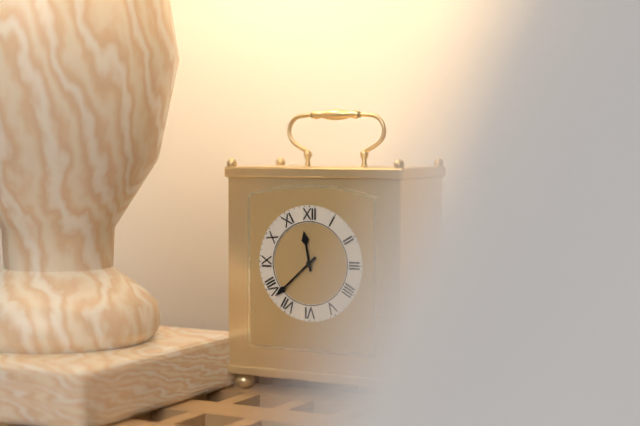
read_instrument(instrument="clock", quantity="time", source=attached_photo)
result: 11:38
